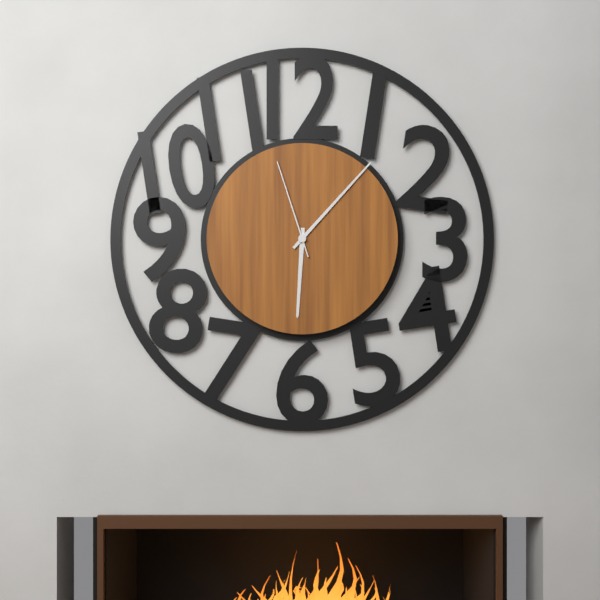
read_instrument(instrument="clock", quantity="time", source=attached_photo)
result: 6:07:57
